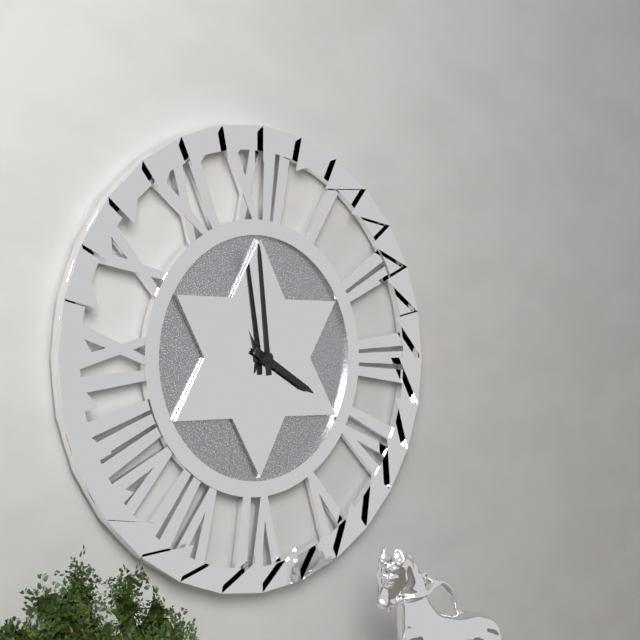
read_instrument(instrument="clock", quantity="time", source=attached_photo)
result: 3:59
